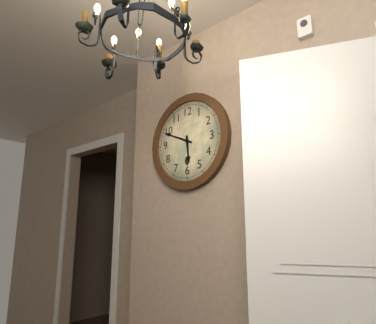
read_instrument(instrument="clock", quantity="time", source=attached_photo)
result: 5:49
